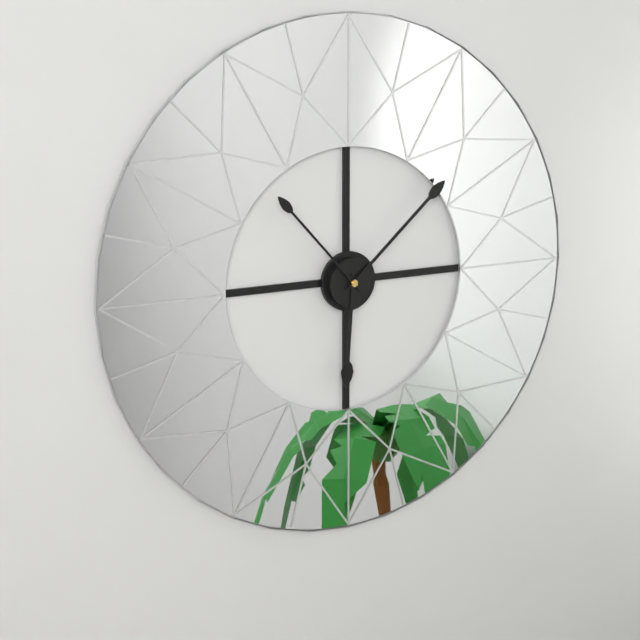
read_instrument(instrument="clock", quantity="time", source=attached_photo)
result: 6:08:53
